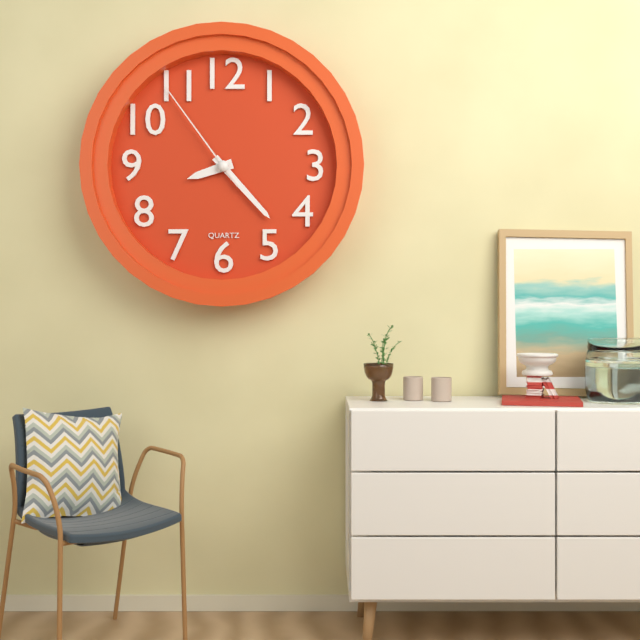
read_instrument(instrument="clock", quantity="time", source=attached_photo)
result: 8:23:54
